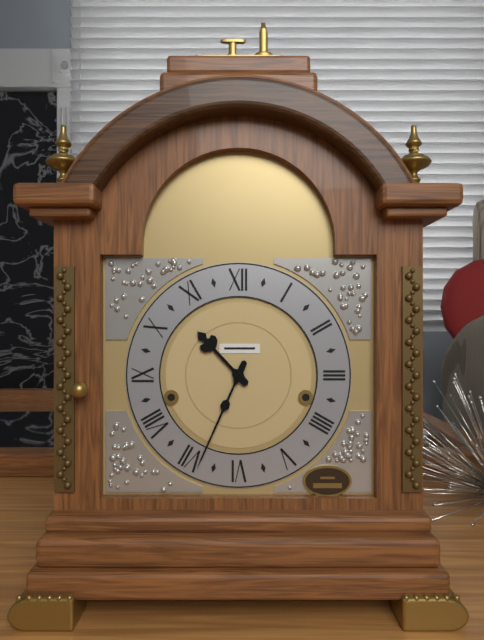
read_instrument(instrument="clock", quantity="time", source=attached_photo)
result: 10:34
